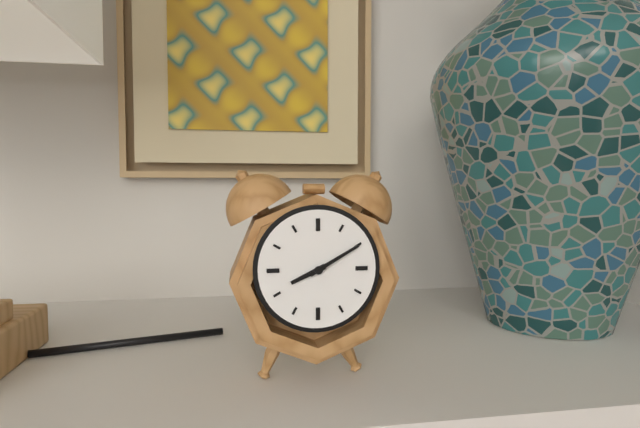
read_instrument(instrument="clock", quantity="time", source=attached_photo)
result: 8:10
